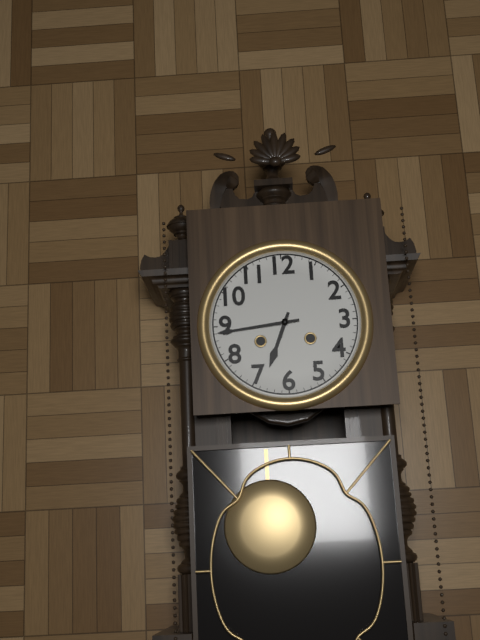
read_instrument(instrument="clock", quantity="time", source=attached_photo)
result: 6:44
